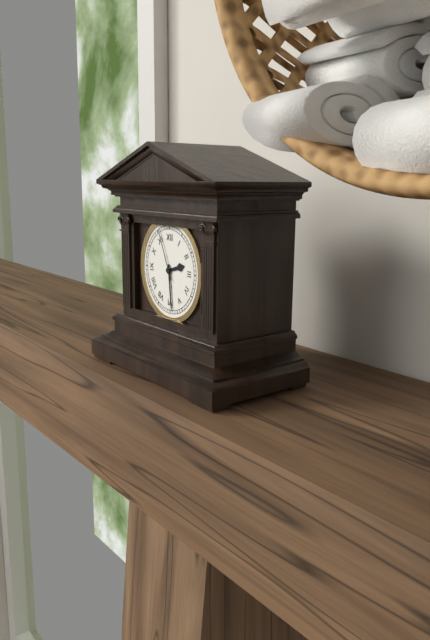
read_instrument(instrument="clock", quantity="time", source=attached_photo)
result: 2:29:56
